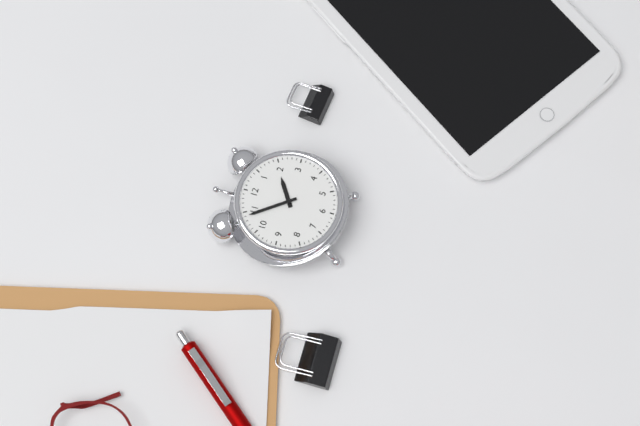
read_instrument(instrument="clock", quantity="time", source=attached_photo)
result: 1:54
